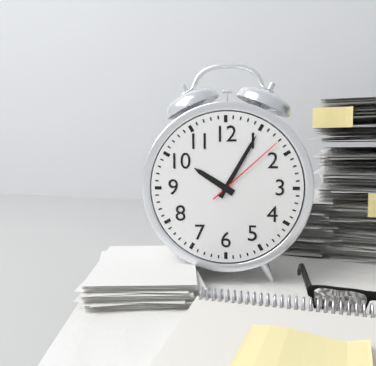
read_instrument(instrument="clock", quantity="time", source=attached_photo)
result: 10:05:08
